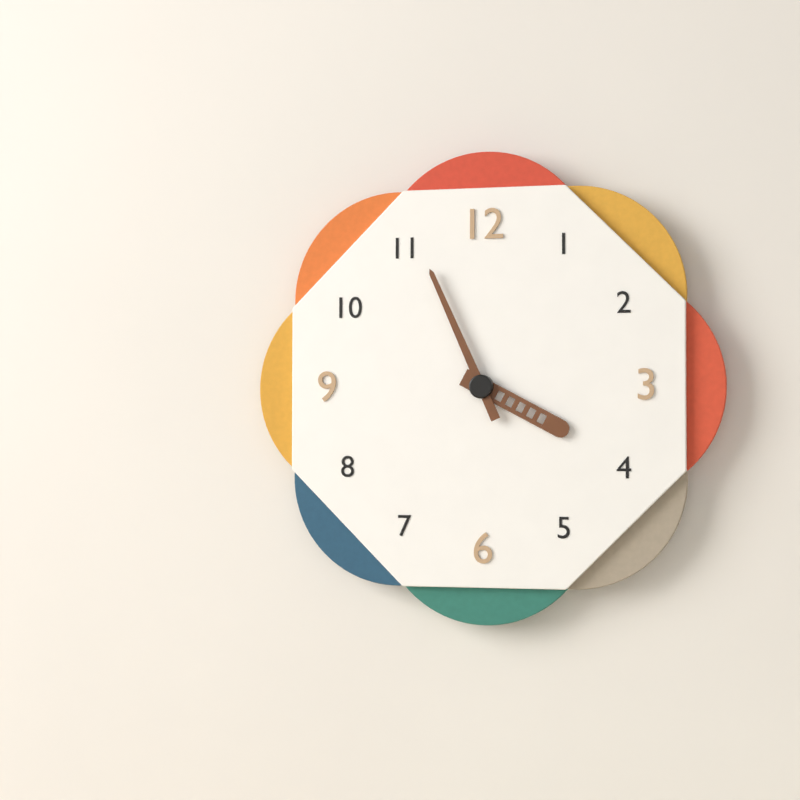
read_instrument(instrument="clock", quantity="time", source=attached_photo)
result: 3:56
